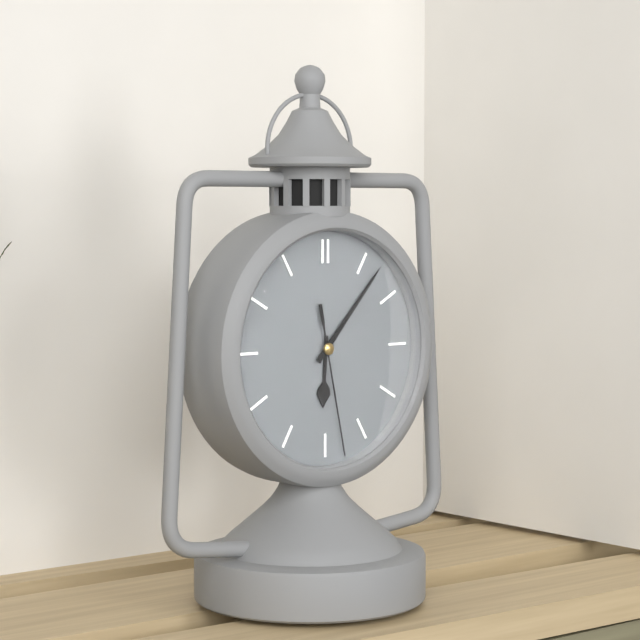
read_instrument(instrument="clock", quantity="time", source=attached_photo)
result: 6:07:28
